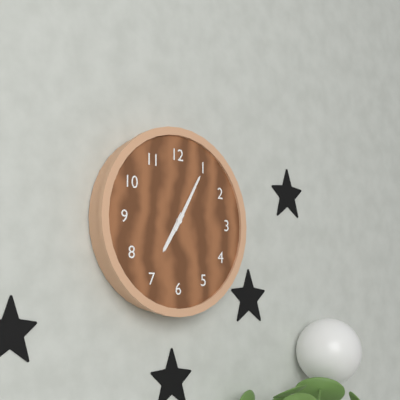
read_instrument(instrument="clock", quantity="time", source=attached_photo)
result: 7:05
